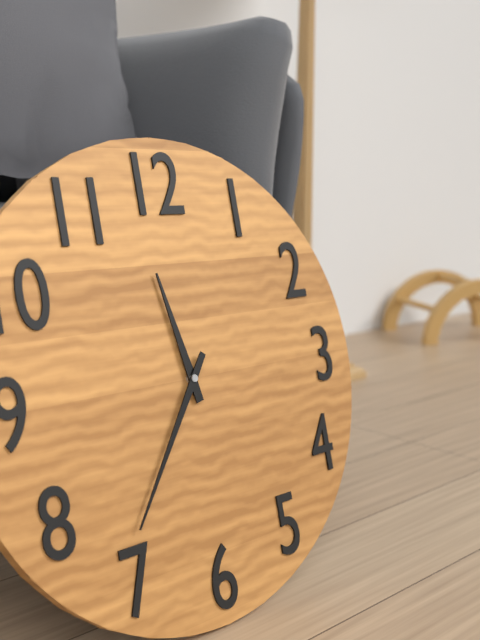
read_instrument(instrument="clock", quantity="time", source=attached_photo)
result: 11:36
